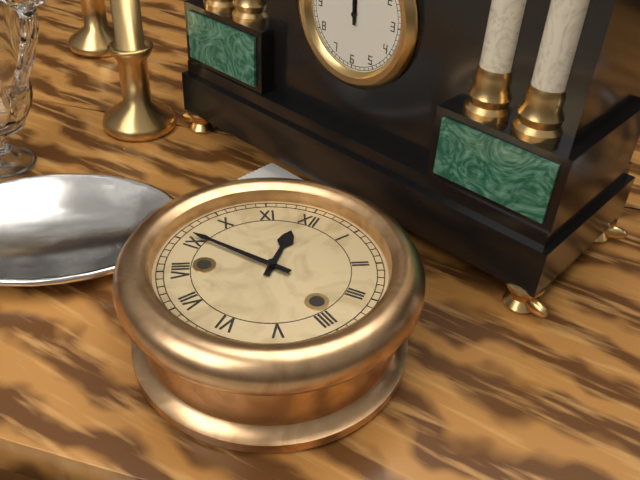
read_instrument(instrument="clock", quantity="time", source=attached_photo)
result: 11:46
